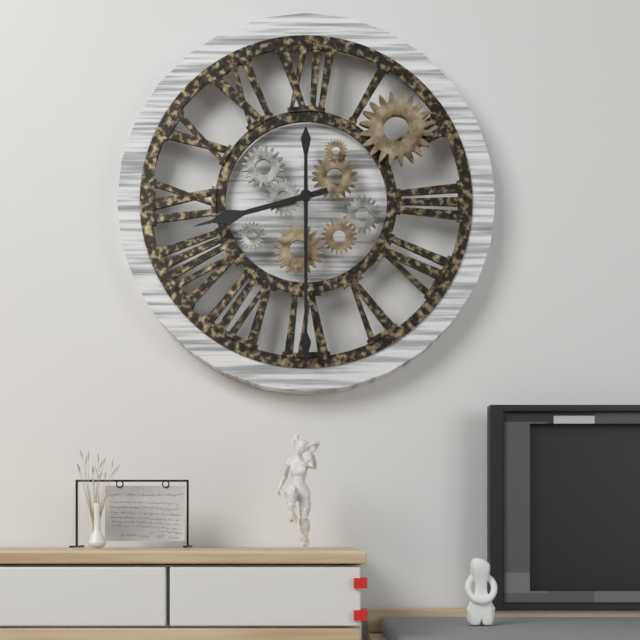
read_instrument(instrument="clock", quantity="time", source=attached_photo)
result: 8:30
